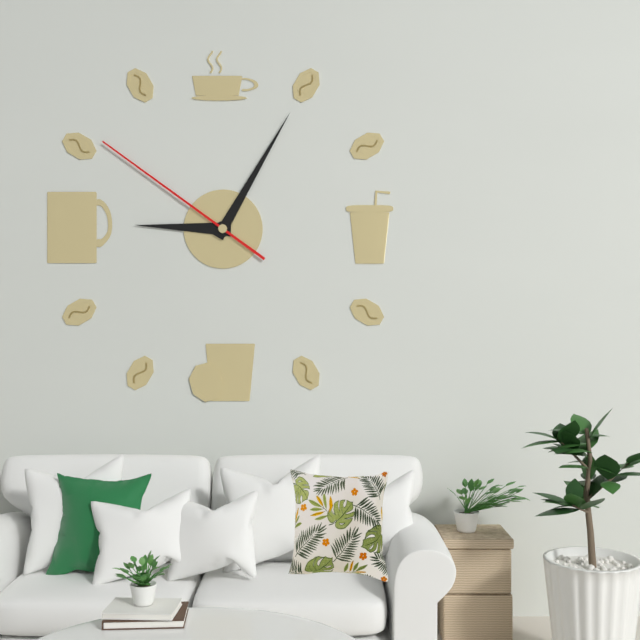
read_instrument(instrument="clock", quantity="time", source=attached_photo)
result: 9:05:51
